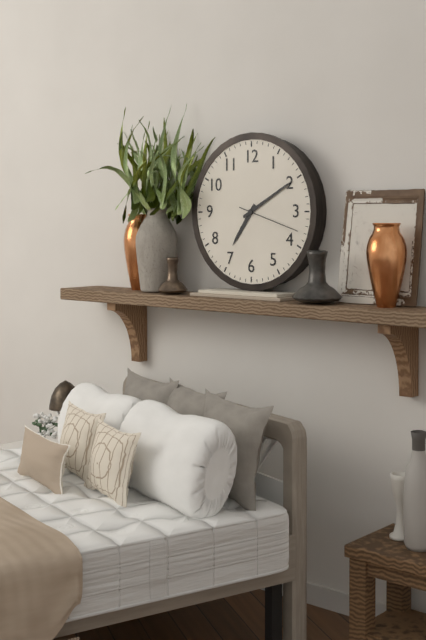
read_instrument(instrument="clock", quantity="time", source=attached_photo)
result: 7:10:18
